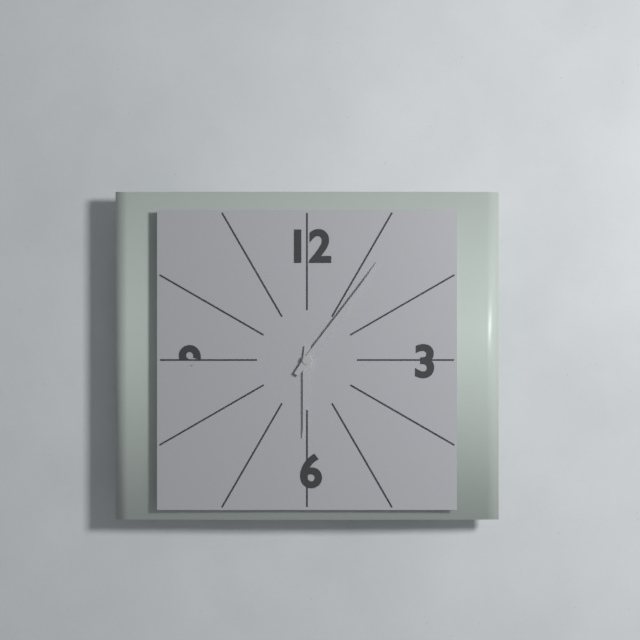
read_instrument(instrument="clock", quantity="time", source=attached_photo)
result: 6:06
